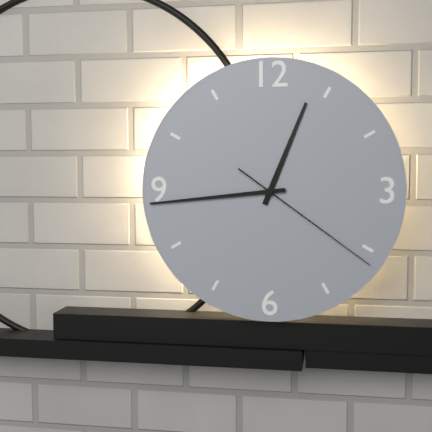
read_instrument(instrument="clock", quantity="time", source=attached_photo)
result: 12:44:21
